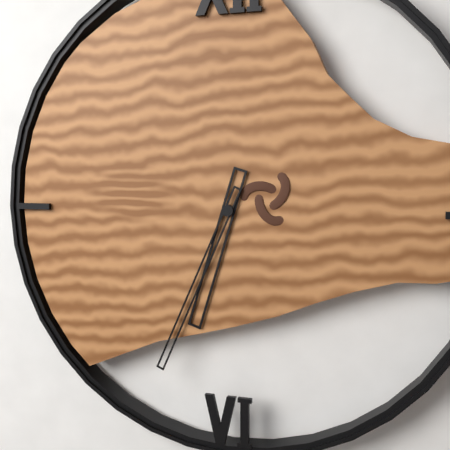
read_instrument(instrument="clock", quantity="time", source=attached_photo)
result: 6:34
